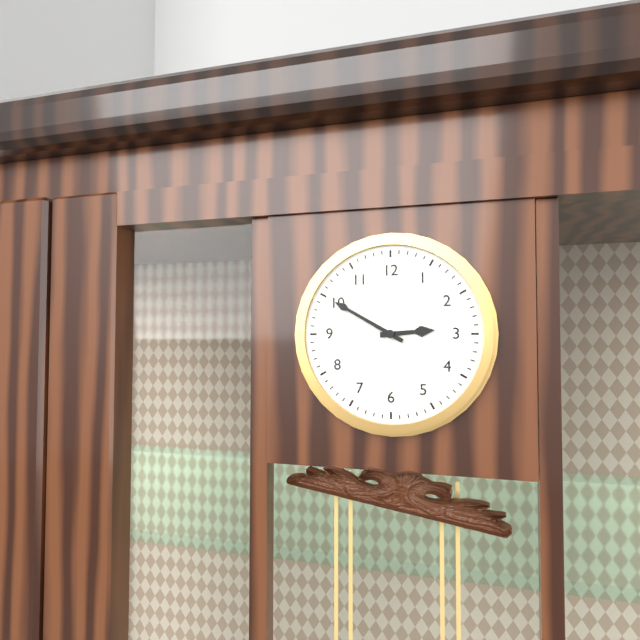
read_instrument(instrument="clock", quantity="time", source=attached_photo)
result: 2:50
